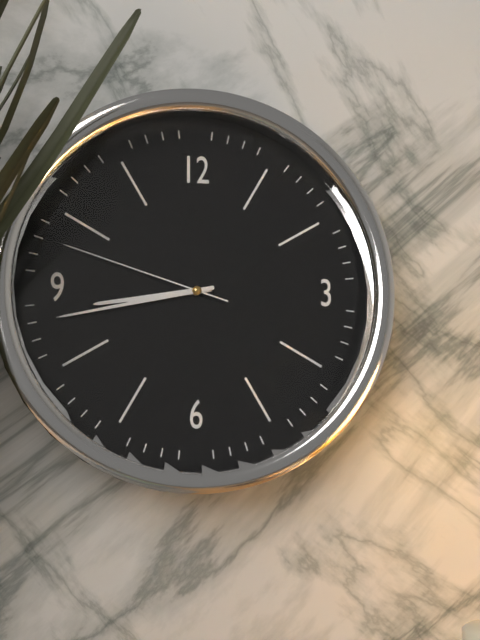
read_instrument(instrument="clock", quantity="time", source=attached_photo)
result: 8:43:48
